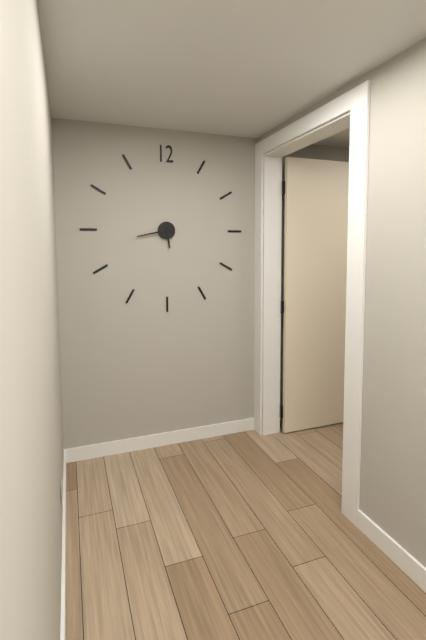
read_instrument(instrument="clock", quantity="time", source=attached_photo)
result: 5:43
